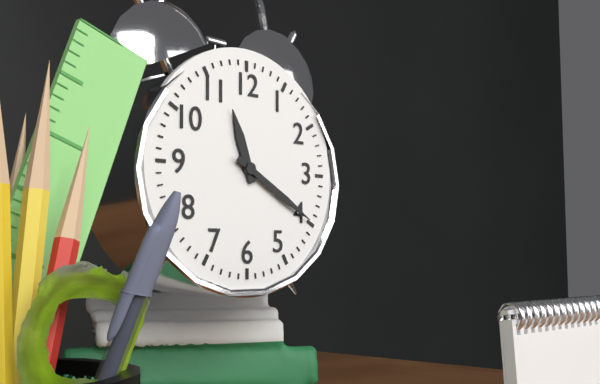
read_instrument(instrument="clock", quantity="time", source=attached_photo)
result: 11:20
